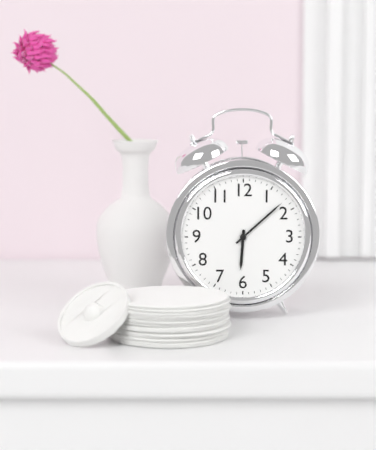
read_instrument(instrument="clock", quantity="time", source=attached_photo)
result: 6:08
